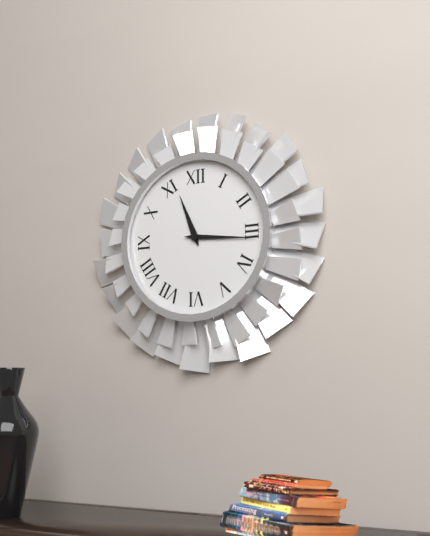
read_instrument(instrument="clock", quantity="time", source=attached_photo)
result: 11:16
